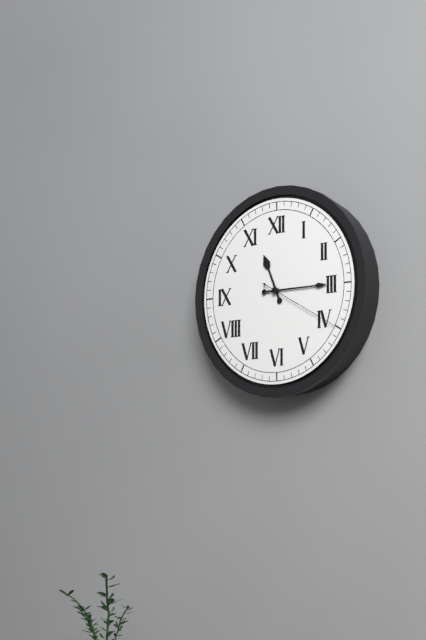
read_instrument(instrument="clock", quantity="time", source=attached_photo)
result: 11:15:20
